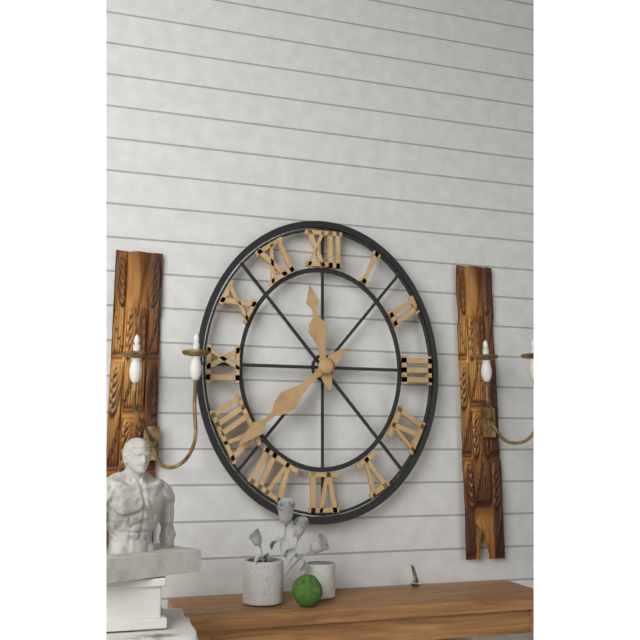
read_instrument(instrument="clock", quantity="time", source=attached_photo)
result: 11:38
